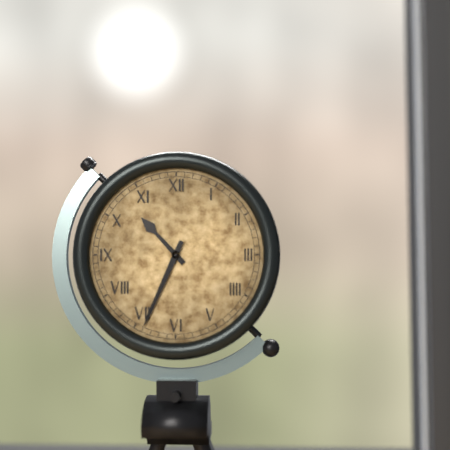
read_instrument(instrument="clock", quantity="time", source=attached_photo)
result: 10:34
